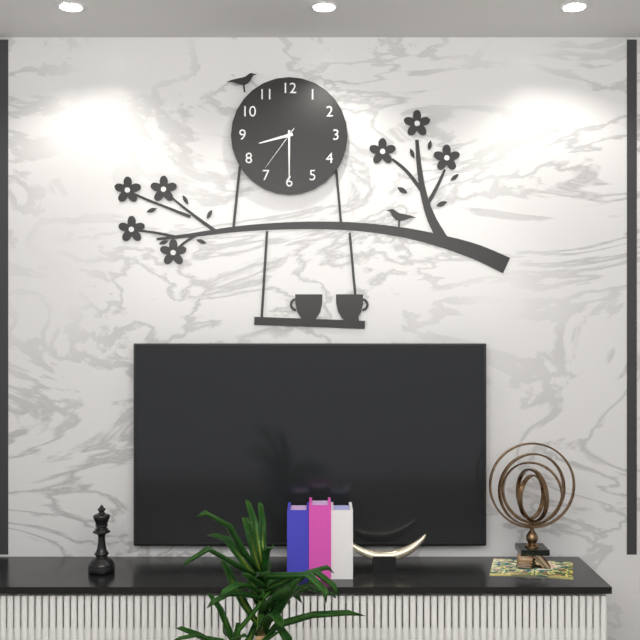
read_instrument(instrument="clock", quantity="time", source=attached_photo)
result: 8:30:36
